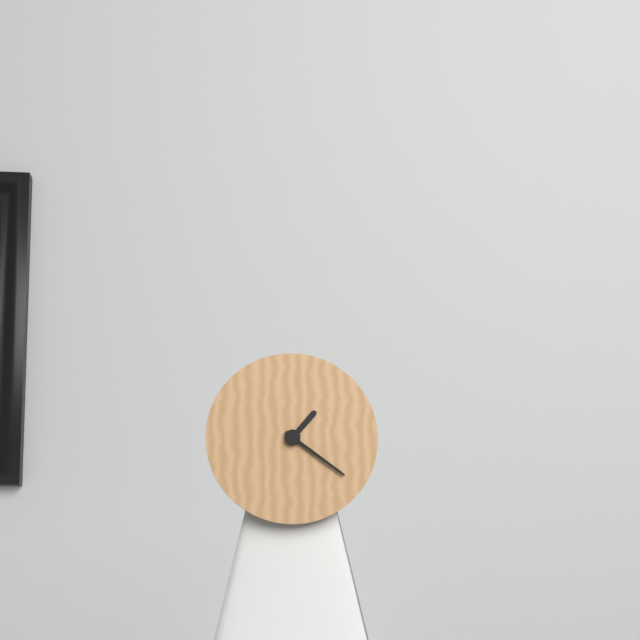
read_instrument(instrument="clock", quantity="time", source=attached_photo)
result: 1:21
